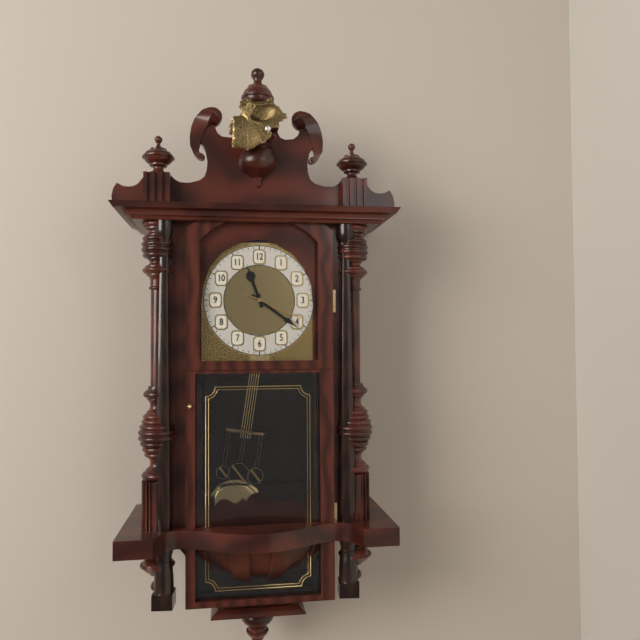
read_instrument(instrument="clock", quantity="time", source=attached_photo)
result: 11:21:19
